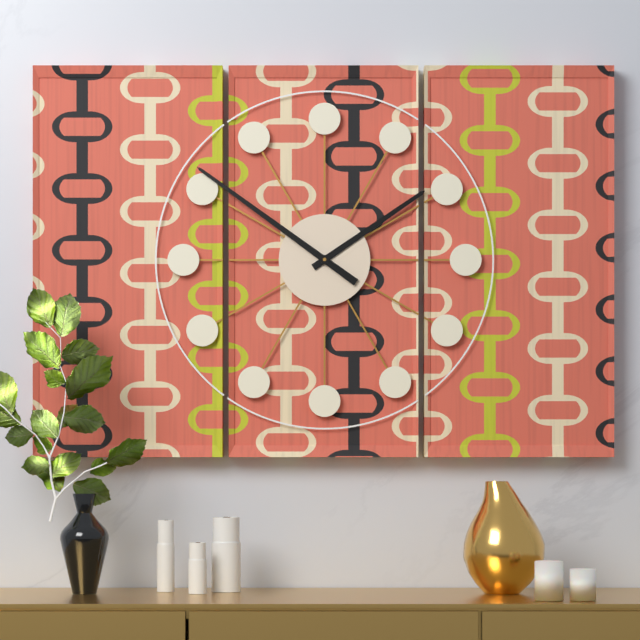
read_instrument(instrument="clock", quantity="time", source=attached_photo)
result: 1:51
